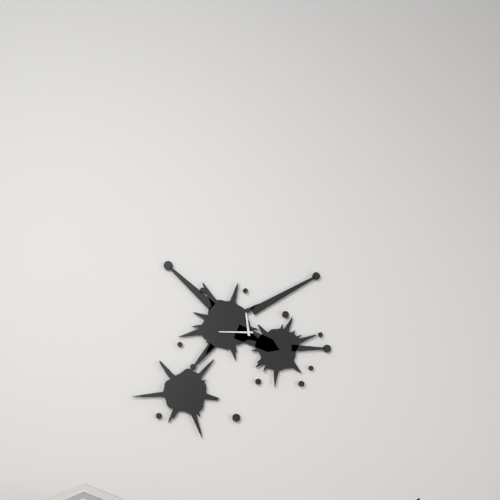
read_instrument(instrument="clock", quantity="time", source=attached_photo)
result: 11:45
